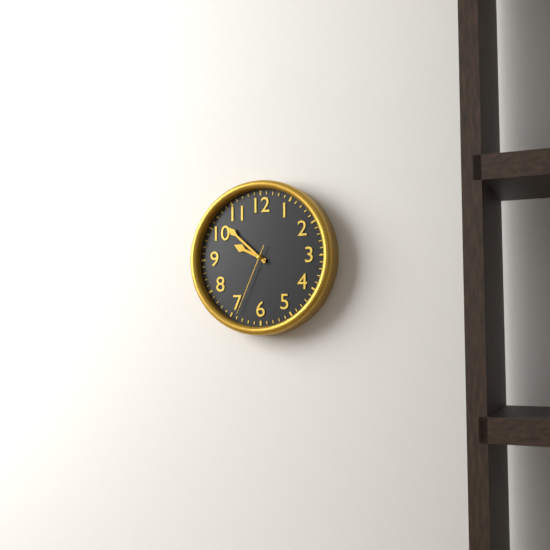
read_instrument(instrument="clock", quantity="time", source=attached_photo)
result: 9:52:34
